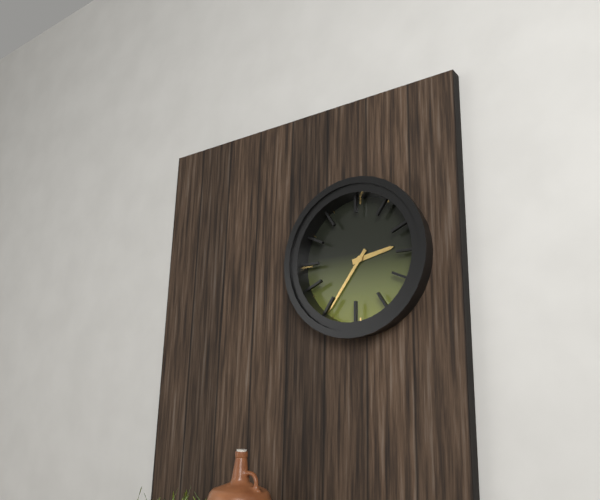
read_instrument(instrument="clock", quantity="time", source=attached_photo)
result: 2:36
